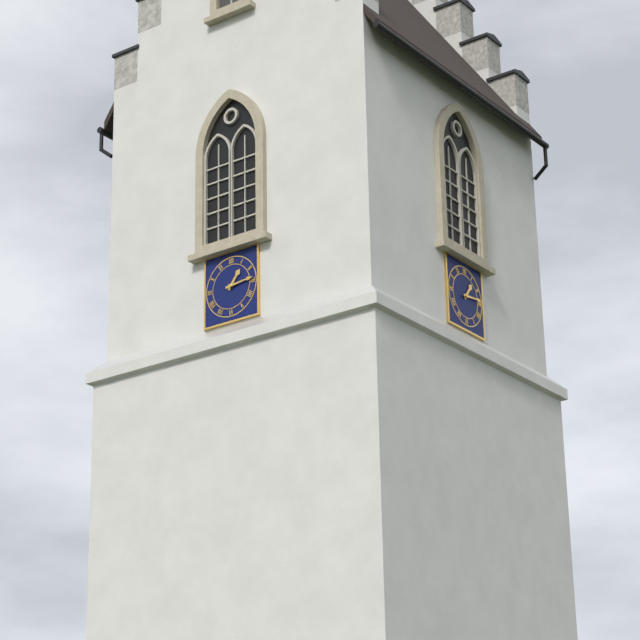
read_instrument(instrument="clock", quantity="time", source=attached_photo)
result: 1:14
